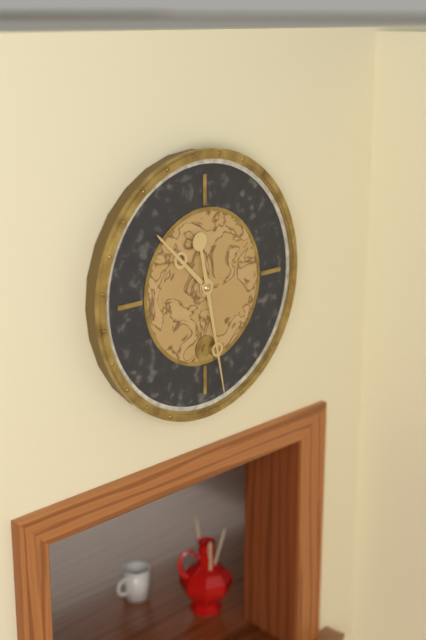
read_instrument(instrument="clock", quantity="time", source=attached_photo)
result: 10:28
